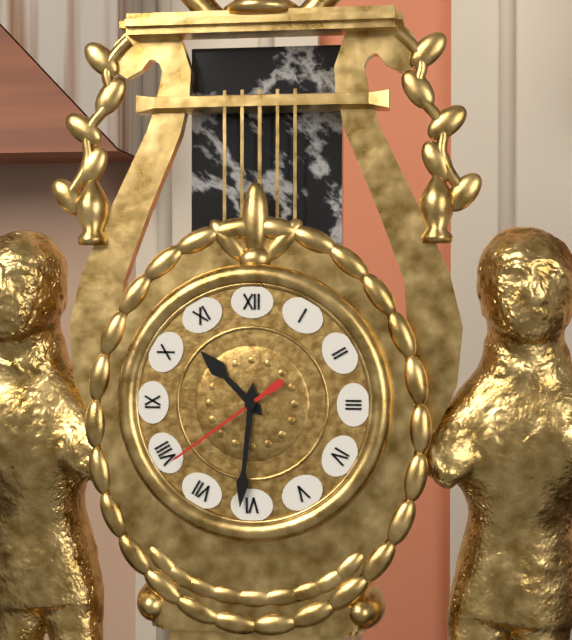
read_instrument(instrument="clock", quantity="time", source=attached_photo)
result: 10:31:39
